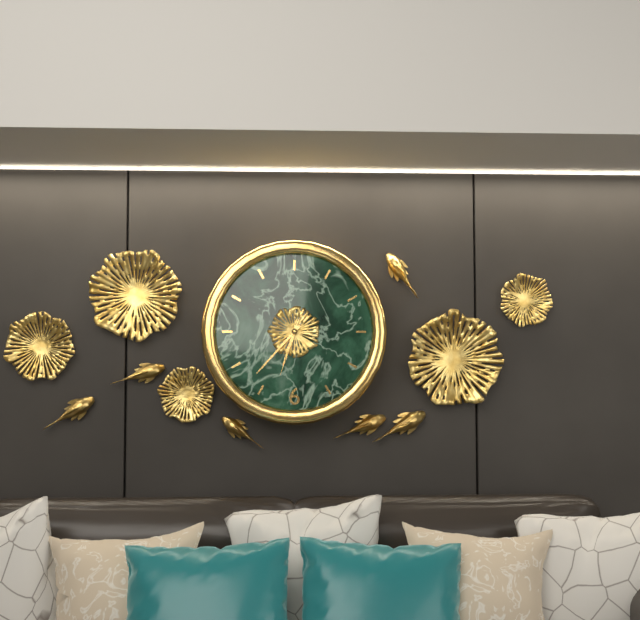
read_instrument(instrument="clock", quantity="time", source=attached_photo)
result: 6:37:33
